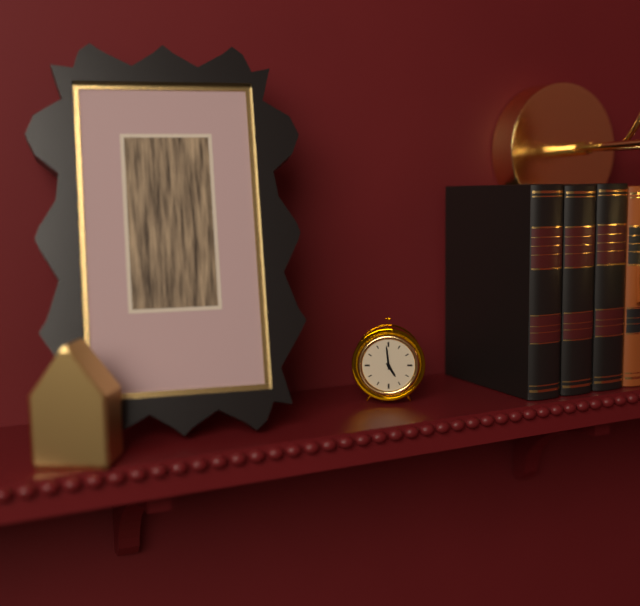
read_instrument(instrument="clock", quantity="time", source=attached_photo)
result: 4:59
